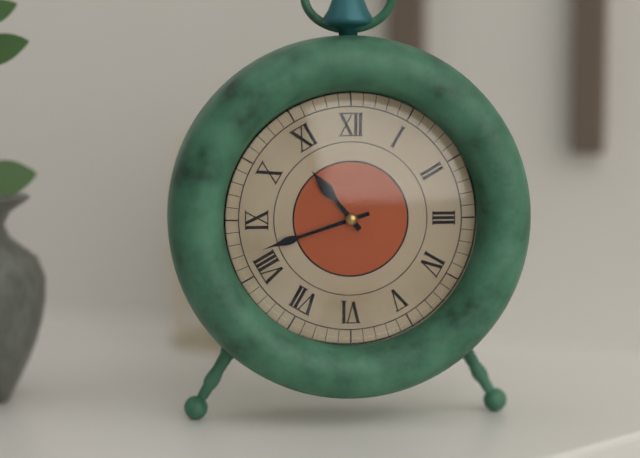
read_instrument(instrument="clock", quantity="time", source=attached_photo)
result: 10:42
